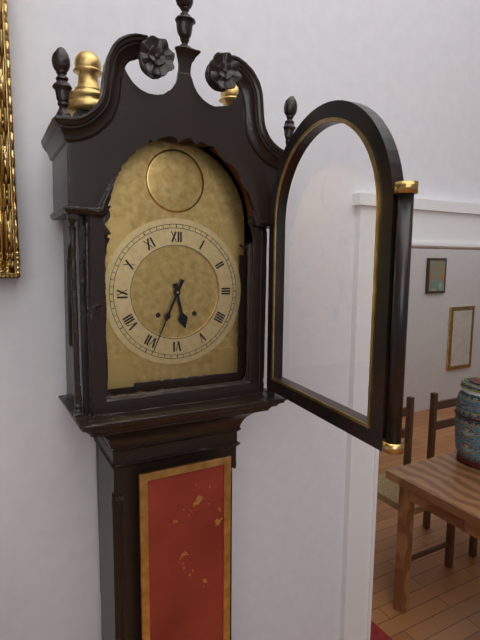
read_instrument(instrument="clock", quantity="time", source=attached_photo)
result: 5:34
